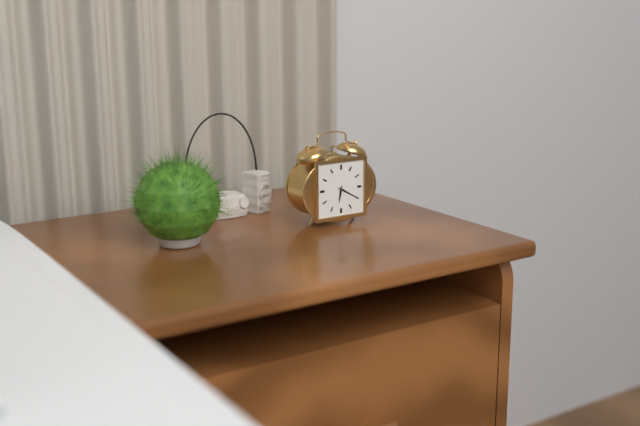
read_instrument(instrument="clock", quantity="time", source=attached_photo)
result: 6:20
